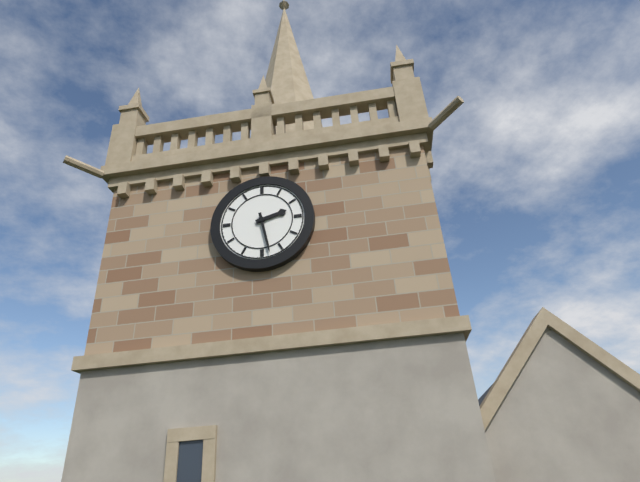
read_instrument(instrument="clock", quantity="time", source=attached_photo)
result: 2:28
